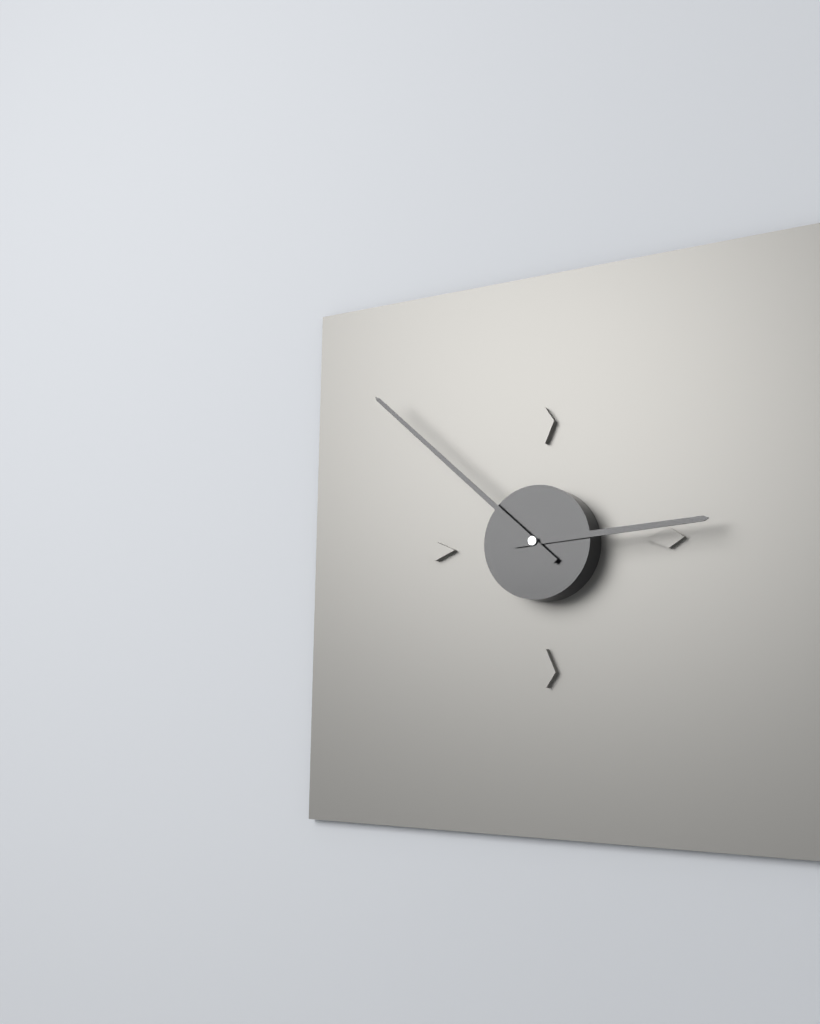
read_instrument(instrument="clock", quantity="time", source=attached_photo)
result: 2:52
